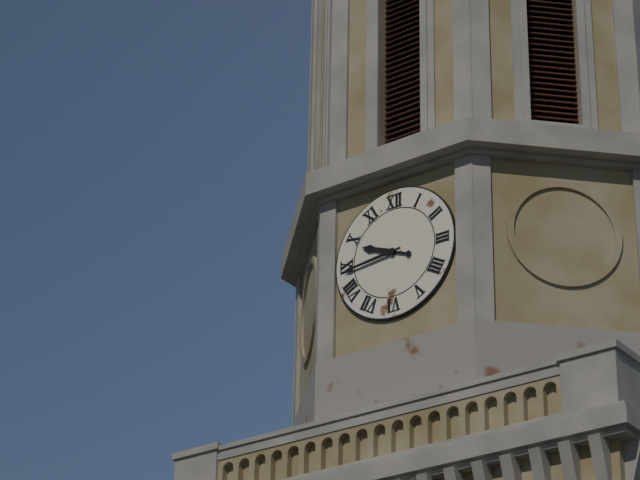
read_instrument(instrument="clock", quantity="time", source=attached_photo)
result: 9:44
